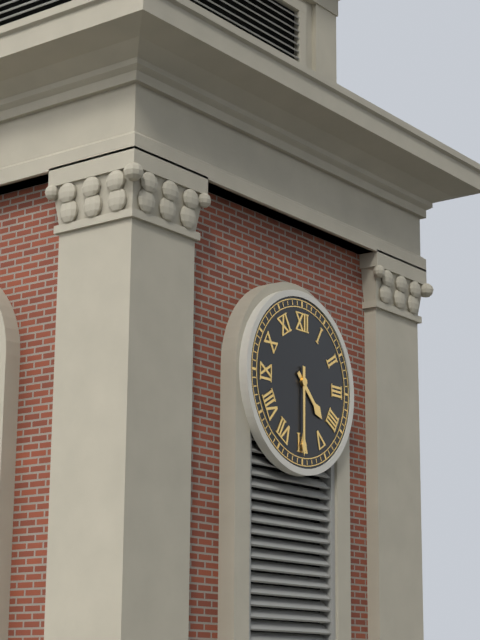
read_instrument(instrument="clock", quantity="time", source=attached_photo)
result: 4:30
